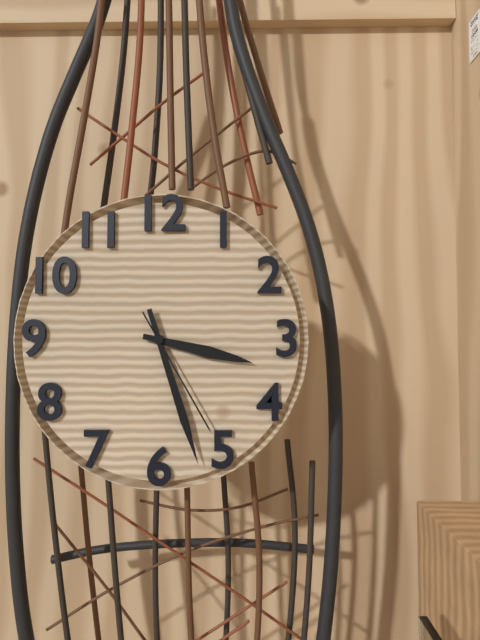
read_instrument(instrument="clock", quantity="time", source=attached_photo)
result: 3:27:25
